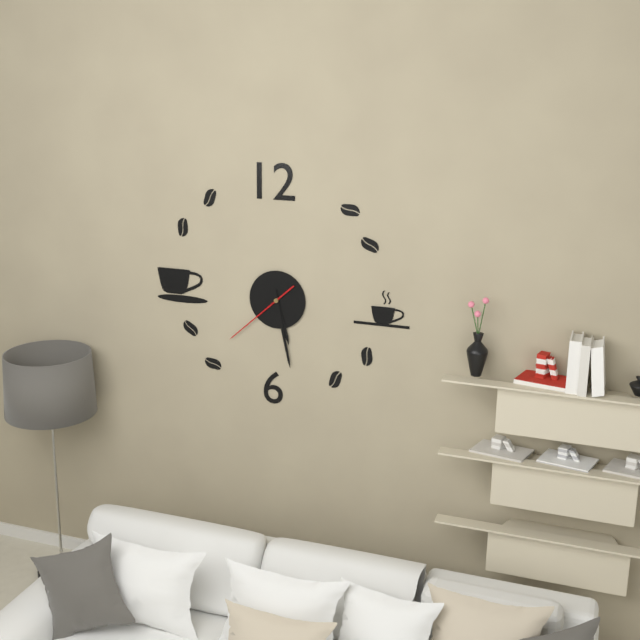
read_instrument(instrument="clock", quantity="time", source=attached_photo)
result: 5:28:38
